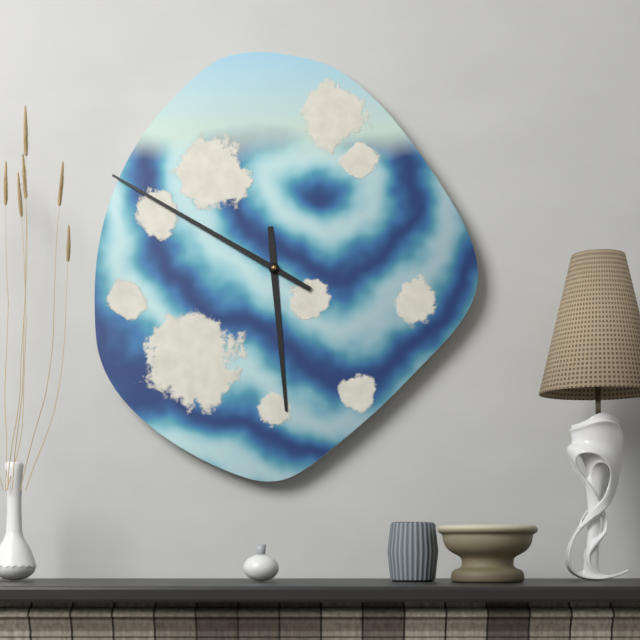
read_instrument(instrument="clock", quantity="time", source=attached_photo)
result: 5:50
